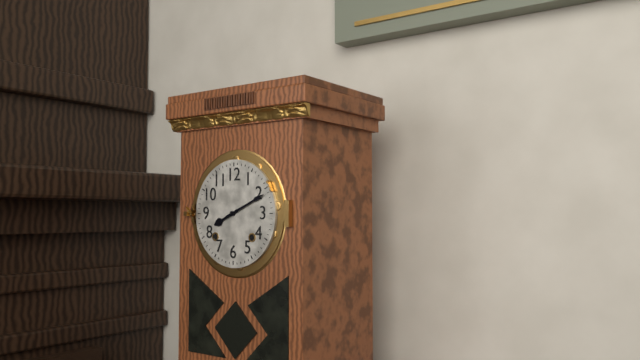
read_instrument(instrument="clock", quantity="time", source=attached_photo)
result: 8:11
